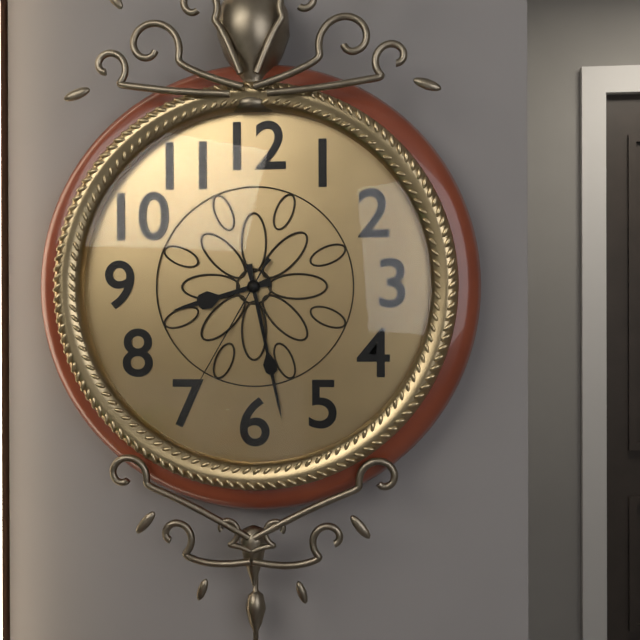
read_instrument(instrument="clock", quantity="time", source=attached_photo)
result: 8:28:35
